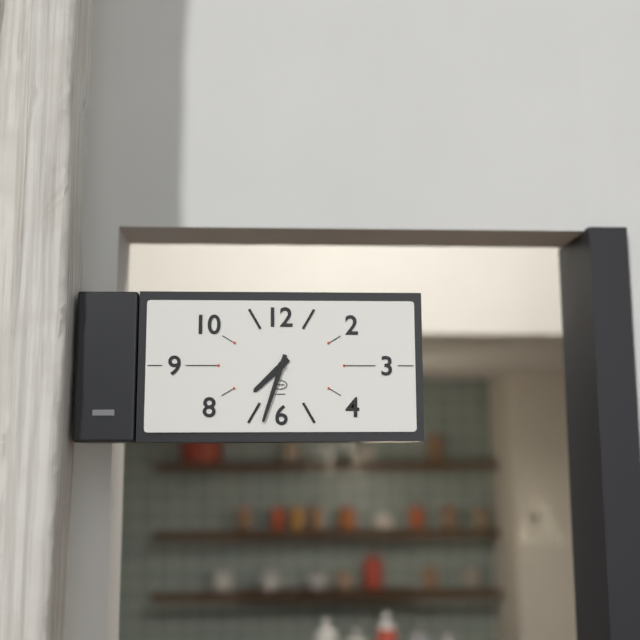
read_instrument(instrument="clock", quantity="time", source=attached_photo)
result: 7:33
